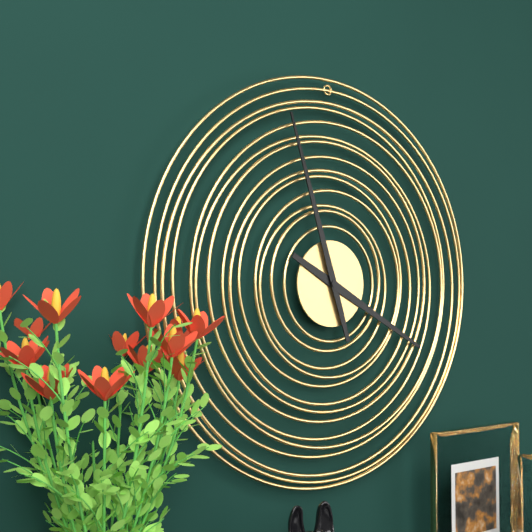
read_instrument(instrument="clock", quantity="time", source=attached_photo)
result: 3:57
